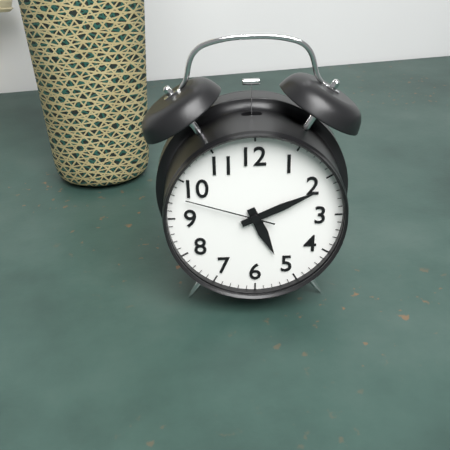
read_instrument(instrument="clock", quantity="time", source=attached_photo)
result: 5:11:48
